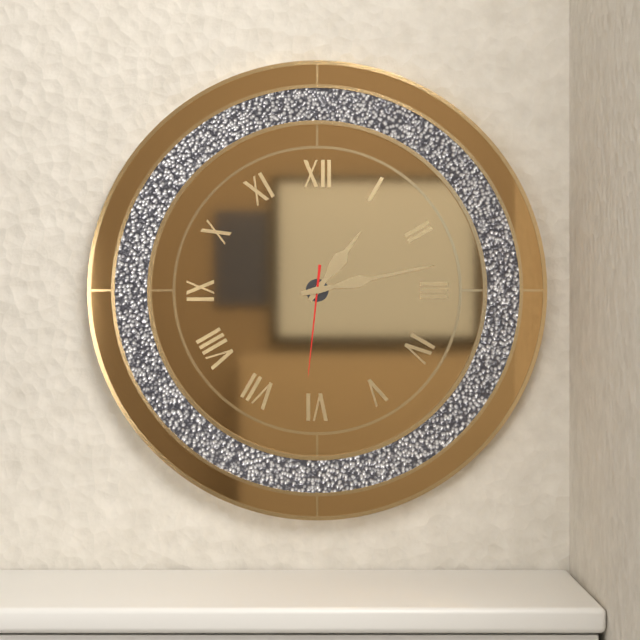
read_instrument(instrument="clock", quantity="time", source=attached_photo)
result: 1:13:31
